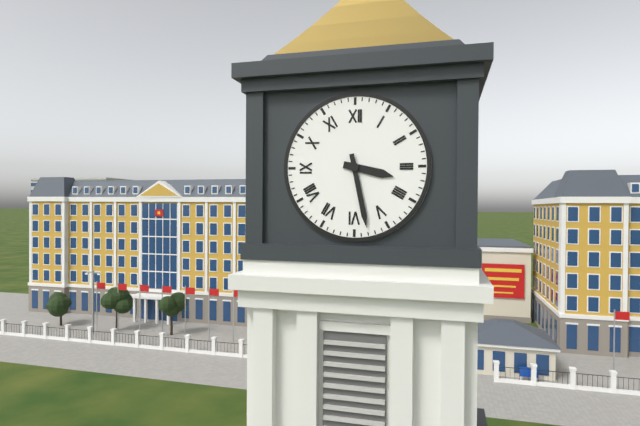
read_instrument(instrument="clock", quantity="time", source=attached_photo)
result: 3:28
